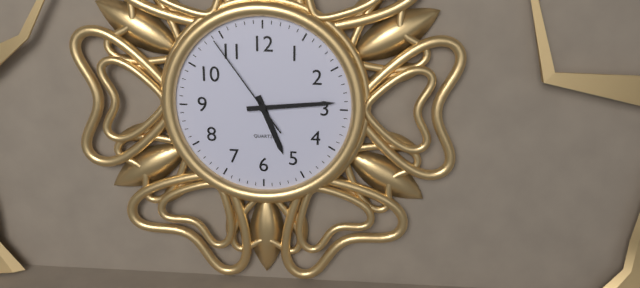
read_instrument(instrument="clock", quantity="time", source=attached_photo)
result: 5:14:54
